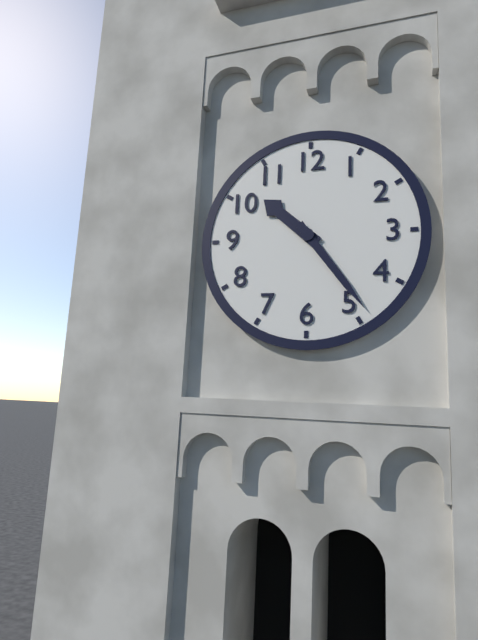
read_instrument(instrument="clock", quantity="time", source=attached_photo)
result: 10:24
